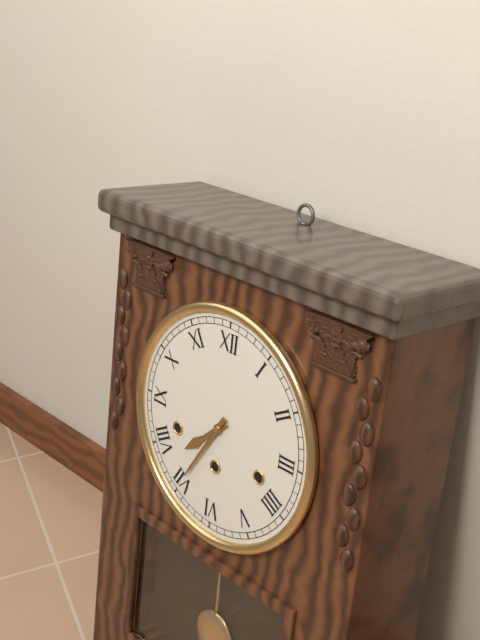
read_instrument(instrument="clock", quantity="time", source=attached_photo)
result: 7:35
